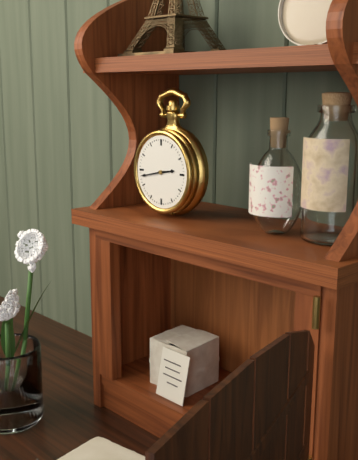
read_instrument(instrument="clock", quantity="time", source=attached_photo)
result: 2:43
